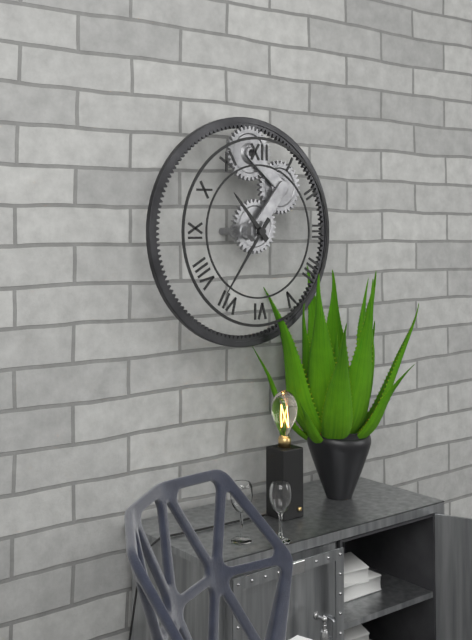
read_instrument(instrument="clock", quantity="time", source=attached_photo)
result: 10:36
